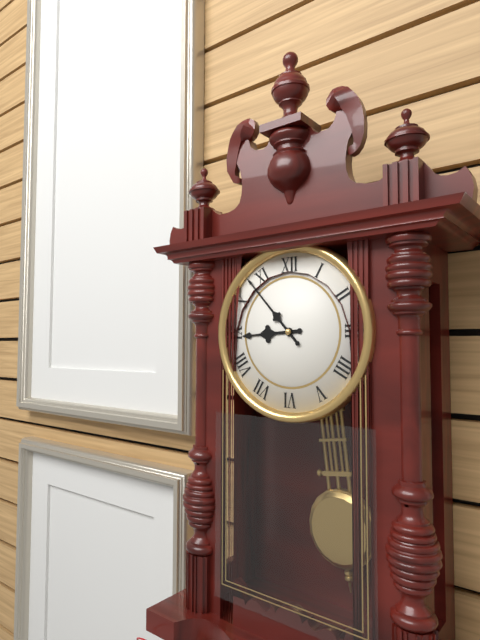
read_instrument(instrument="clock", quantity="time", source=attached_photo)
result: 8:53
